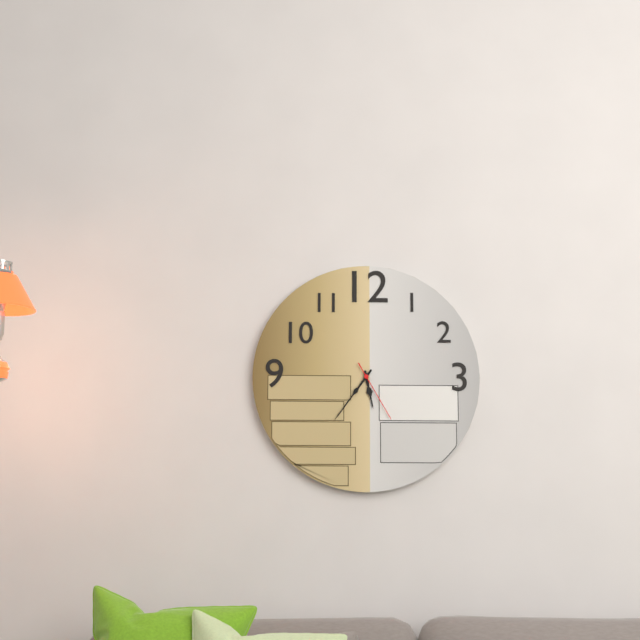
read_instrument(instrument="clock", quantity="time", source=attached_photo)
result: 5:36:25
